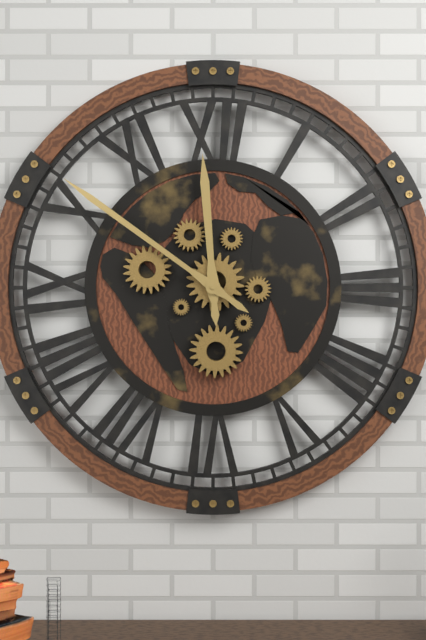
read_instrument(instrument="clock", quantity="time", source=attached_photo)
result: 11:51
